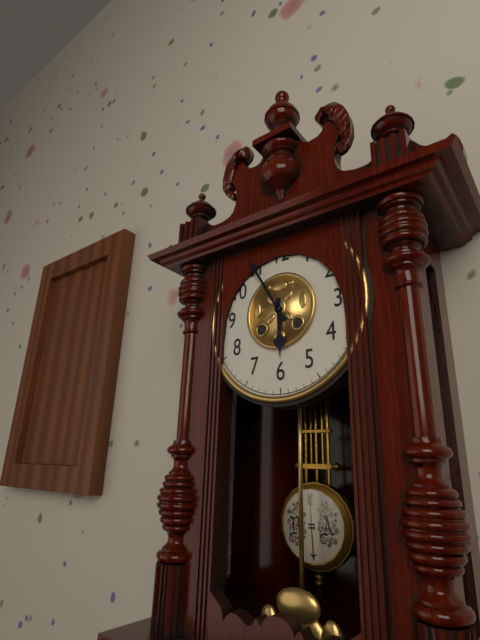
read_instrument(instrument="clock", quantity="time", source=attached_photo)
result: 5:55
